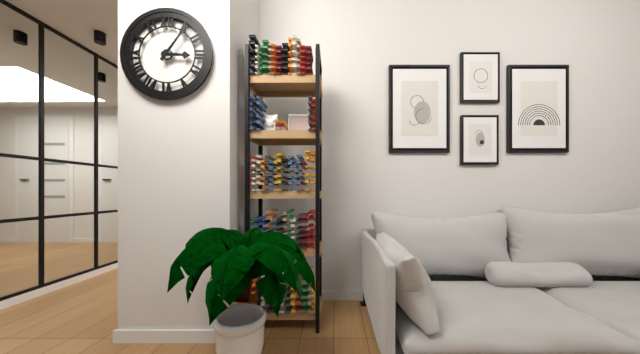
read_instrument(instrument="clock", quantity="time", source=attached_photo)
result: 3:06
